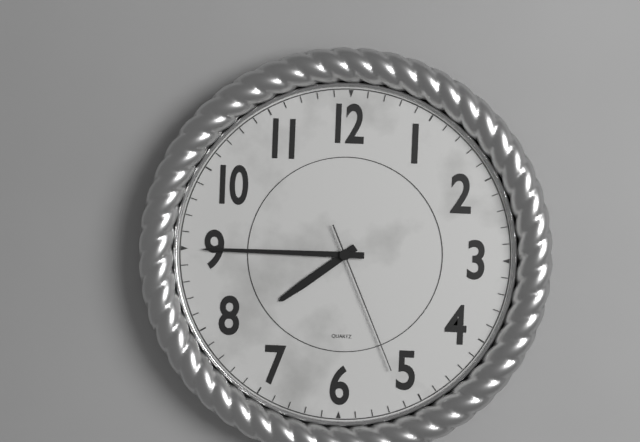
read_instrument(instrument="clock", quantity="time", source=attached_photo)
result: 7:45:26
